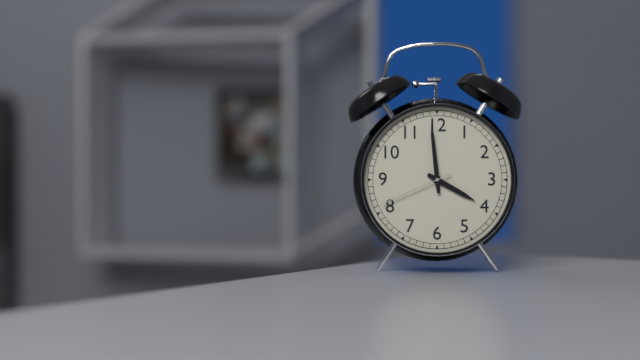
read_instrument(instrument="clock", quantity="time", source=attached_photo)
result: 3:59:41
